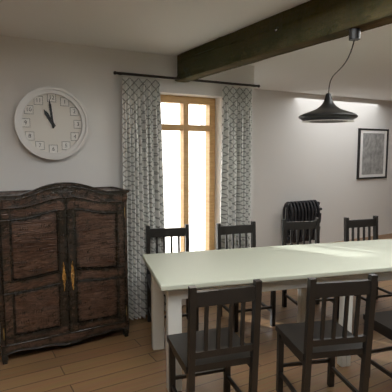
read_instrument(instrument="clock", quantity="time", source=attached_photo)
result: 10:59
